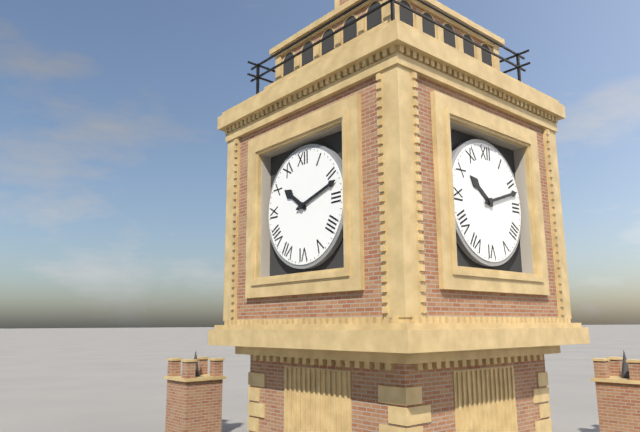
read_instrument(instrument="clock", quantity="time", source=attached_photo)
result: 10:12
